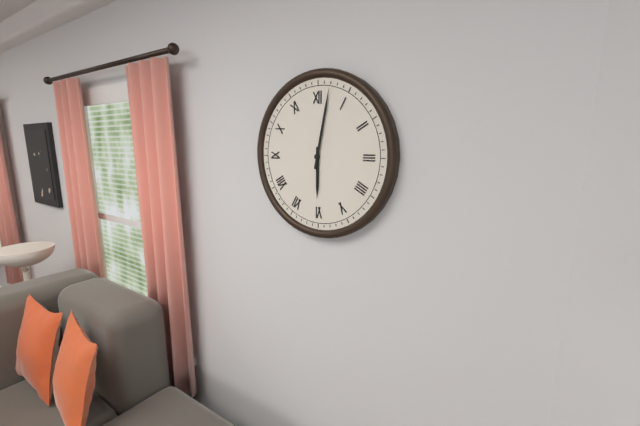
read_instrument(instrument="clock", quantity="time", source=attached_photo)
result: 6:02
